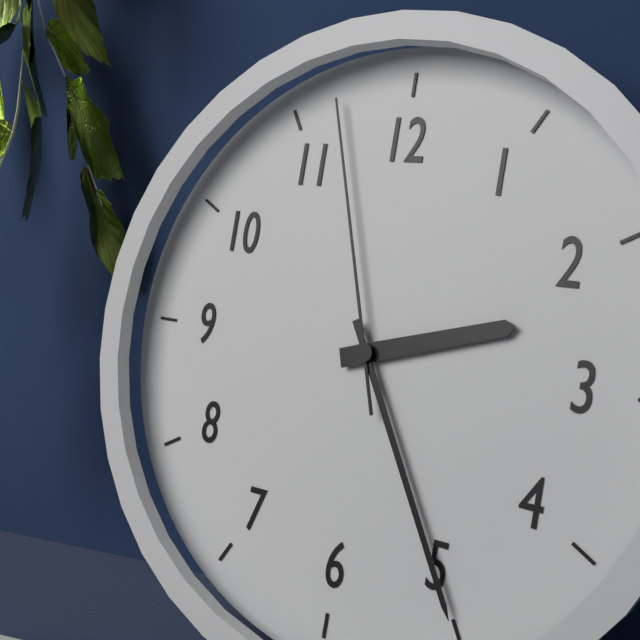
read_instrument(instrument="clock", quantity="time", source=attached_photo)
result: 2:25:57
